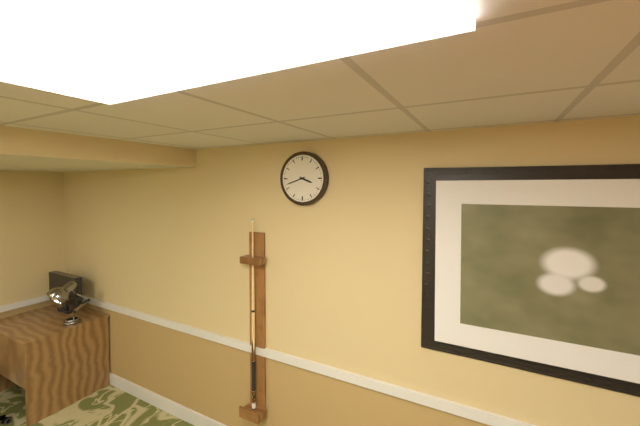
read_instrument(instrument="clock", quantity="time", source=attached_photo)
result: 3:42
